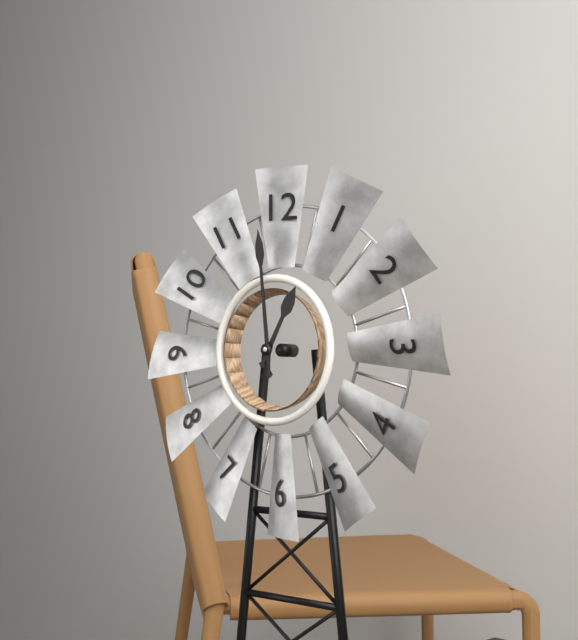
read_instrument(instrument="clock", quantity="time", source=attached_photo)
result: 12:59
